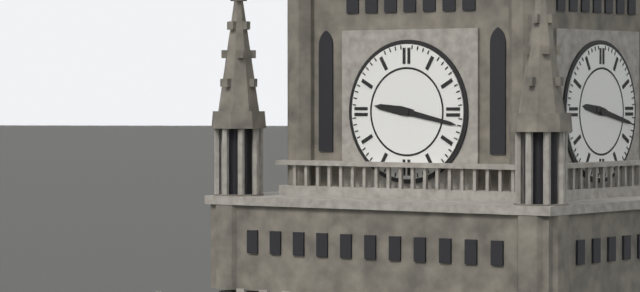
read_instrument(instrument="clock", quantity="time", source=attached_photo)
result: 9:17
